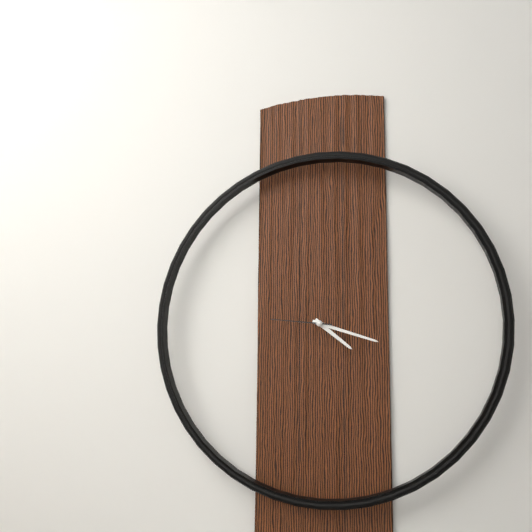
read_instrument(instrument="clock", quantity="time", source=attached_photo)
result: 4:18:46
